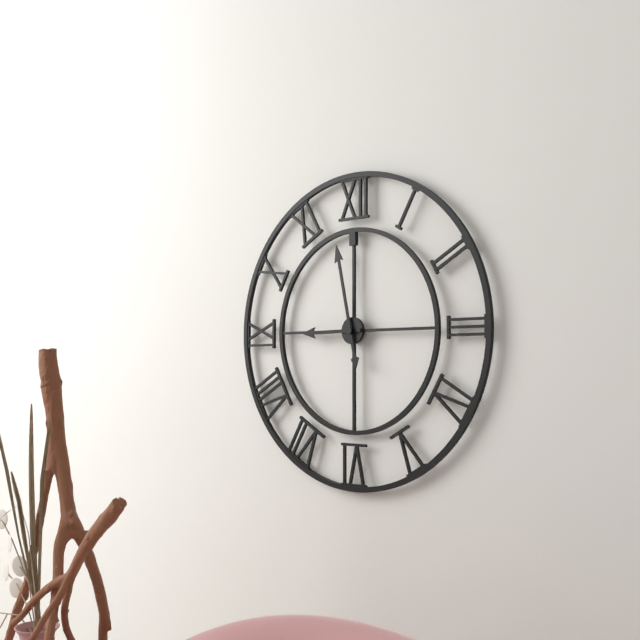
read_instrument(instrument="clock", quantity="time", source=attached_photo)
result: 8:58
